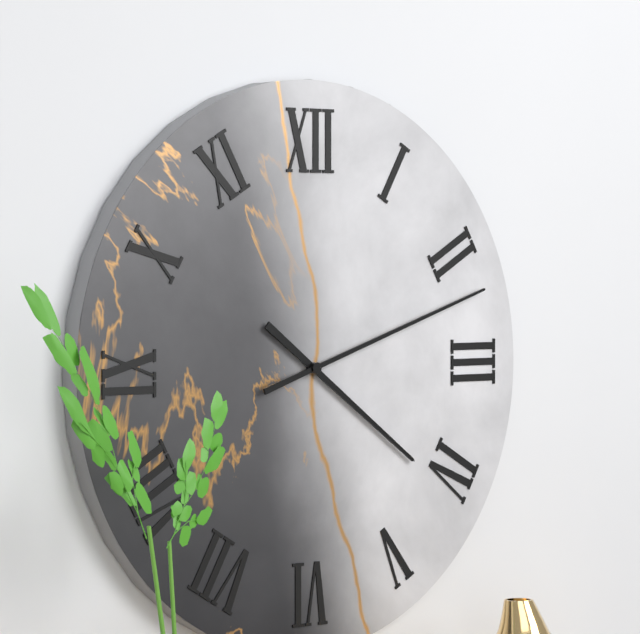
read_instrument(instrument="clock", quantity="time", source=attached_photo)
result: 4:12
